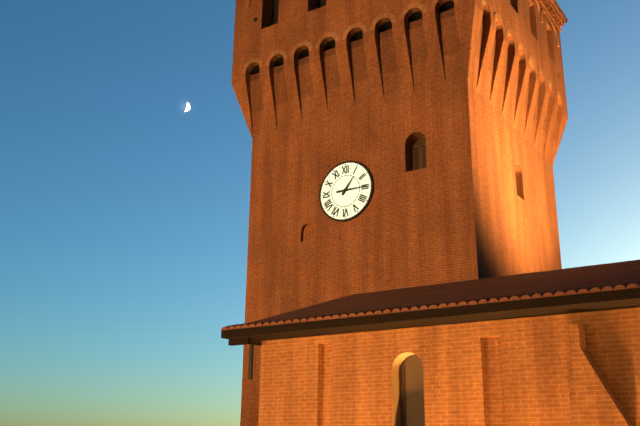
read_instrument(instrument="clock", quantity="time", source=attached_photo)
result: 1:15
